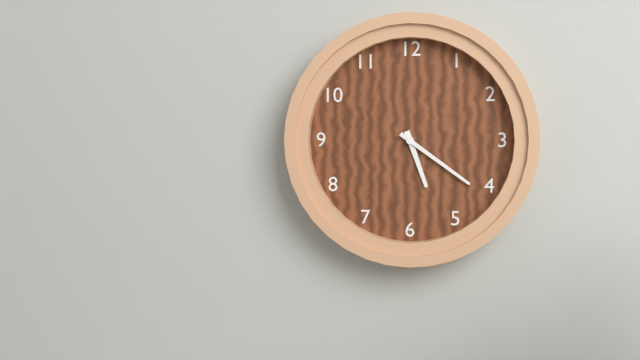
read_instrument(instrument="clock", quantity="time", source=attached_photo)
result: 5:21
